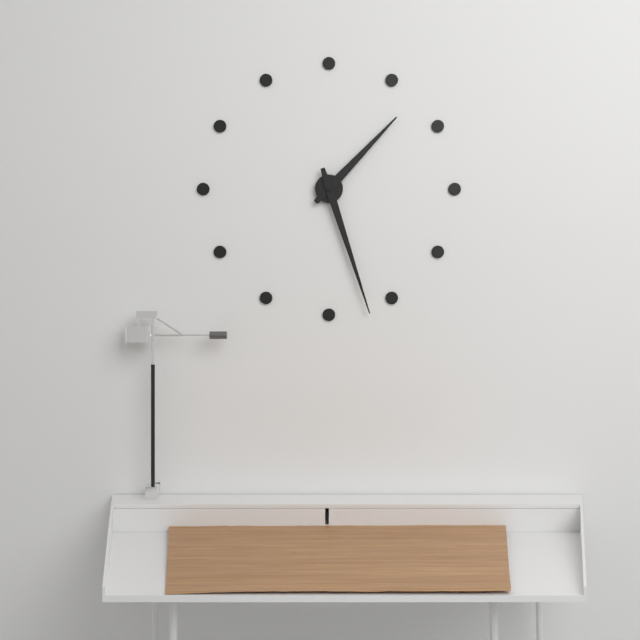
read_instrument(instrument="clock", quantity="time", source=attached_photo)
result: 1:27
